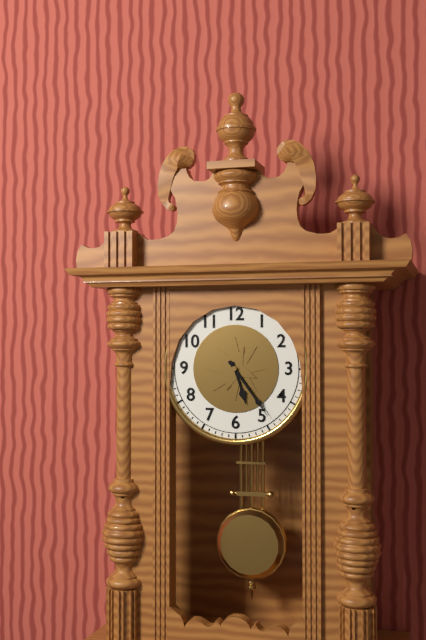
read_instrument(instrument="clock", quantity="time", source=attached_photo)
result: 5:24
